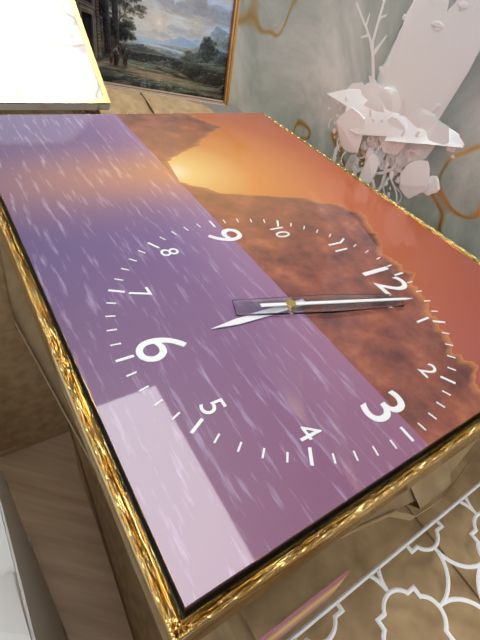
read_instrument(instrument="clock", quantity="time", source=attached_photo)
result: 6:03
